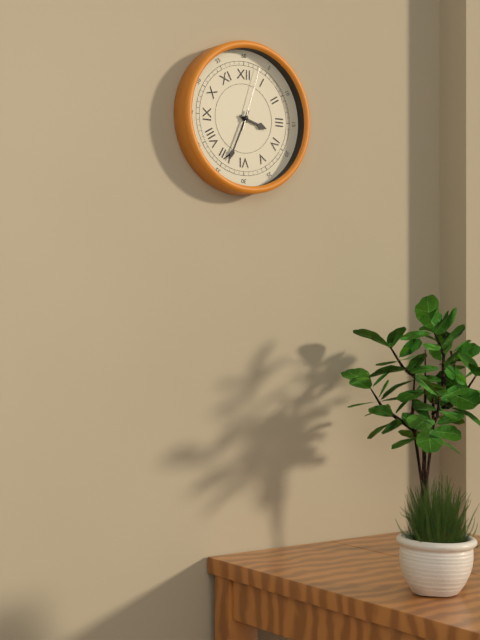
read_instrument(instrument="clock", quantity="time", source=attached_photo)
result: 3:34:03
